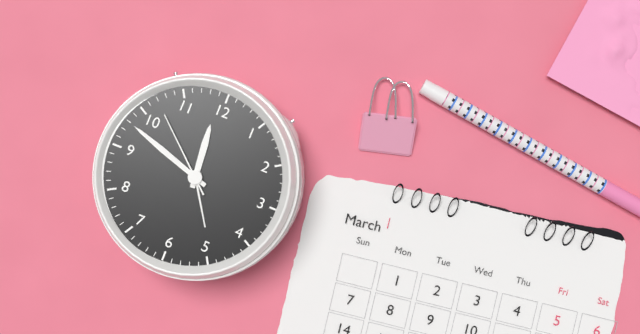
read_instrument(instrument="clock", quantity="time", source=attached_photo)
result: 11:48:52
